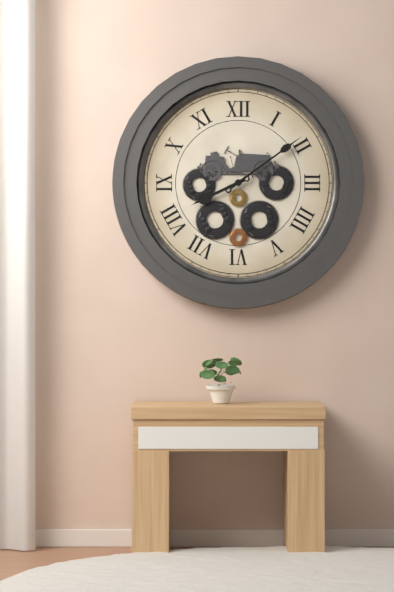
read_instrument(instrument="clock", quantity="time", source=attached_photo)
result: 8:09
